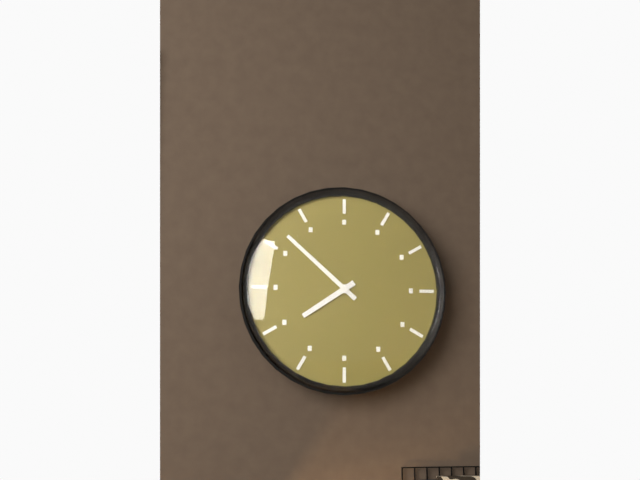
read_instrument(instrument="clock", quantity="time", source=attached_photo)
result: 7:52
